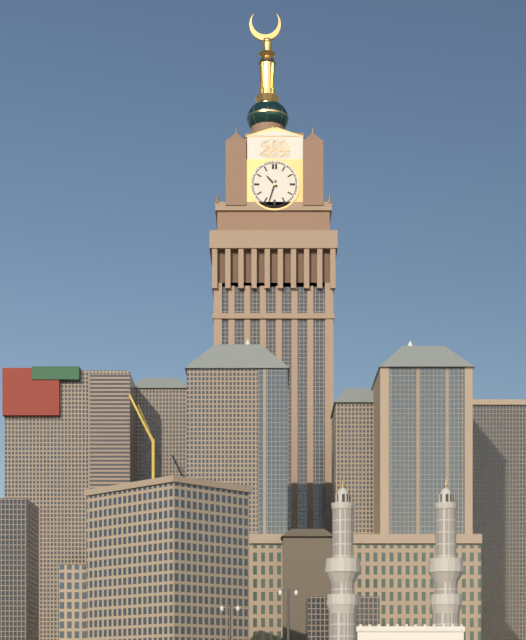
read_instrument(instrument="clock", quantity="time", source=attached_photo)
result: 10:33
